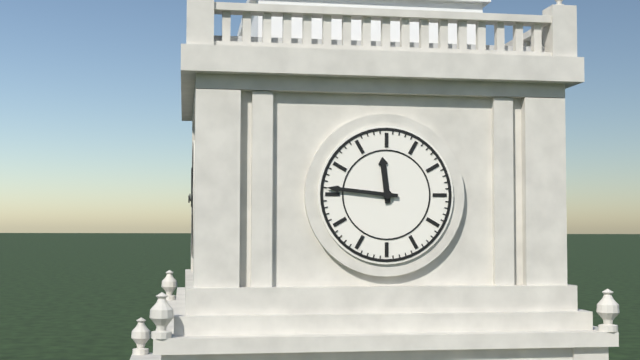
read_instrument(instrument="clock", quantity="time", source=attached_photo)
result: 11:46
